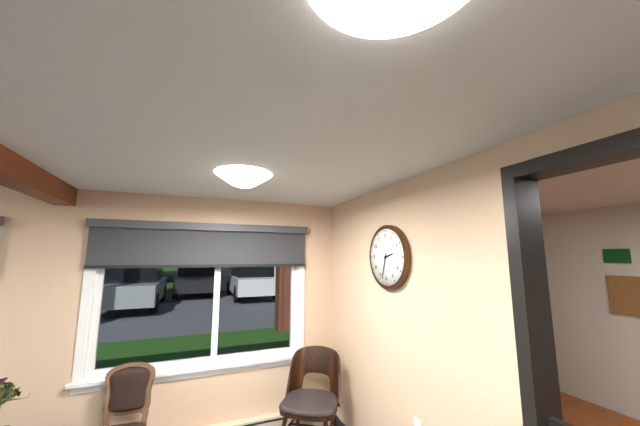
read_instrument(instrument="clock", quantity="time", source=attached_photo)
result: 2:33
